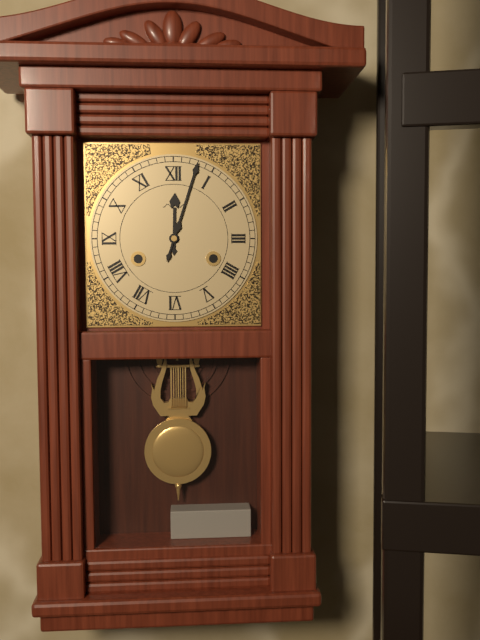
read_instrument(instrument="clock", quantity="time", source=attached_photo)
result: 12:03
